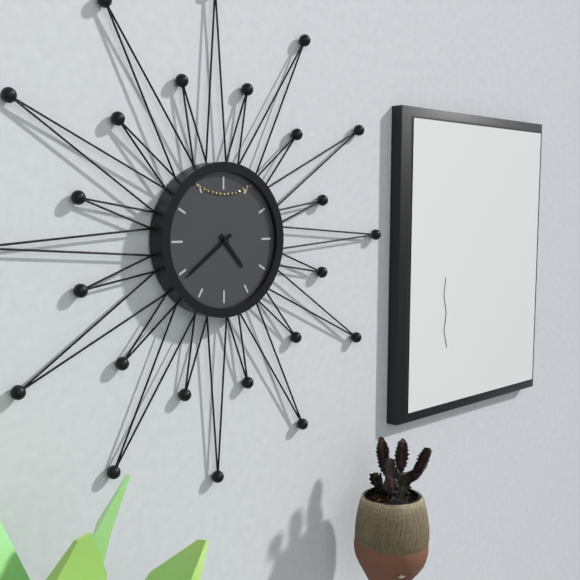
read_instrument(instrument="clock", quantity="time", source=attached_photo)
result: 4:39
